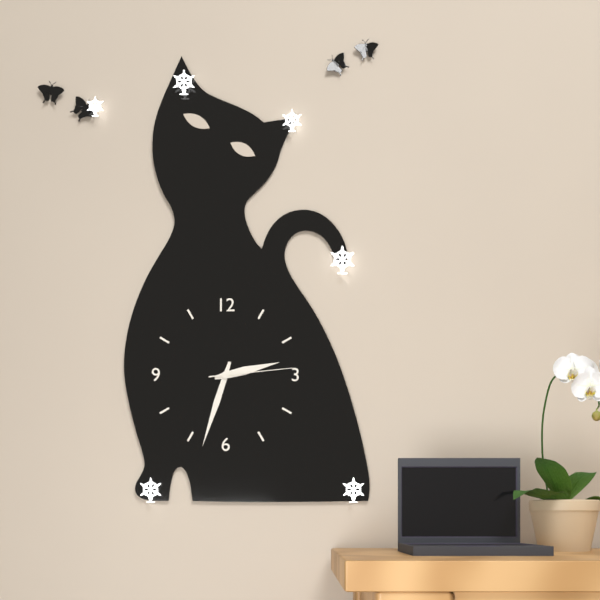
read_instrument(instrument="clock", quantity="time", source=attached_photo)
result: 2:33:14
